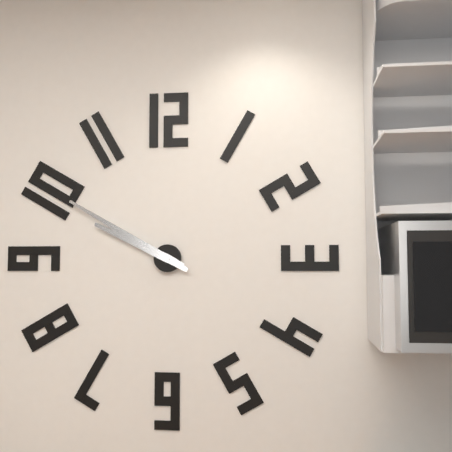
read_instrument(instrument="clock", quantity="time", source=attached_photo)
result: 9:50
